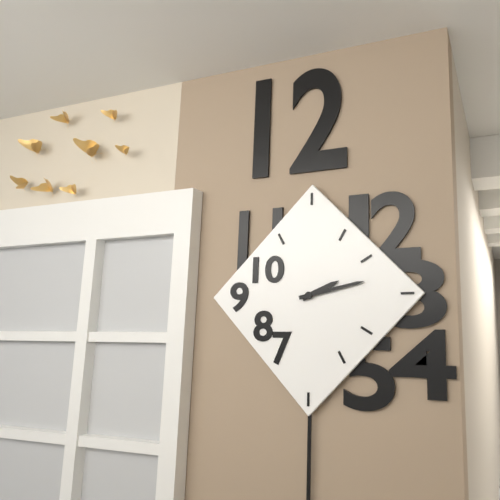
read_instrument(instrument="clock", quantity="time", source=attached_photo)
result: 2:13
